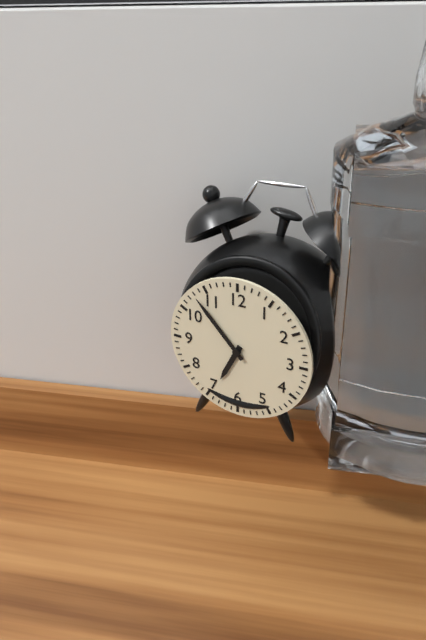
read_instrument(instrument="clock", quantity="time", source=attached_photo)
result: 6:53
